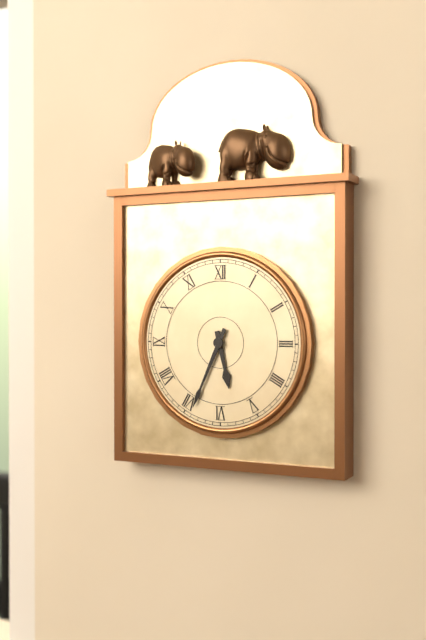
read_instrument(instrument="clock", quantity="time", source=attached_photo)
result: 5:34
